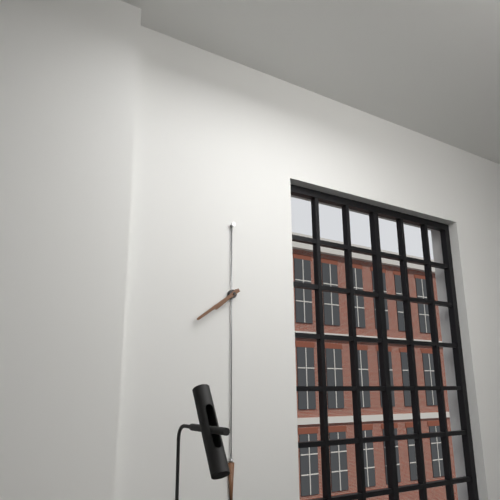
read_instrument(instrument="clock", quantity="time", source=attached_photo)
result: 7:39
